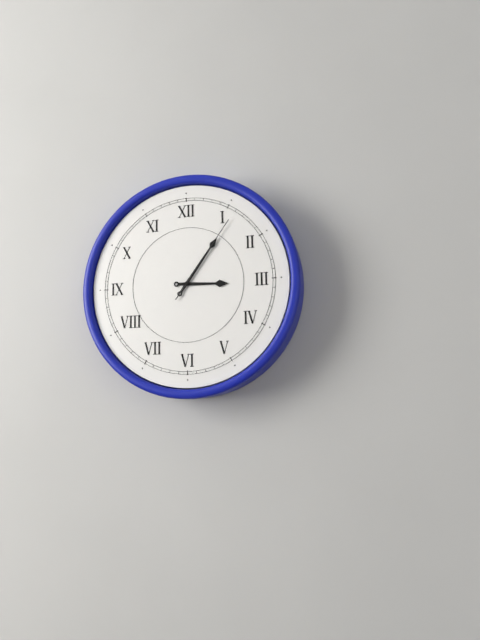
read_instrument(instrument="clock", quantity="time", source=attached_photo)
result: 3:06:06
